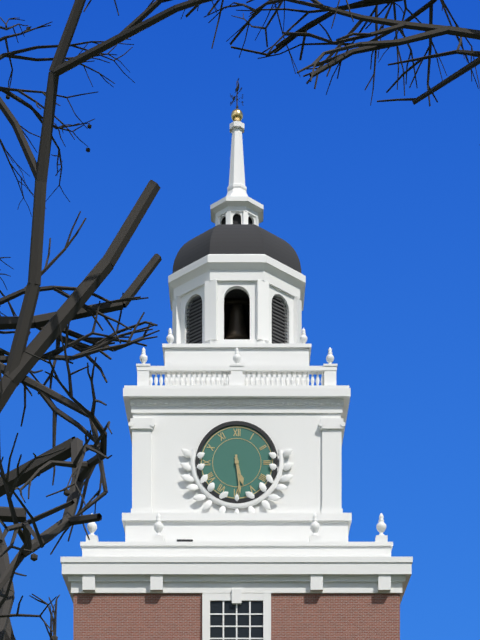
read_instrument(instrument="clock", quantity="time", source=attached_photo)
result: 5:29
